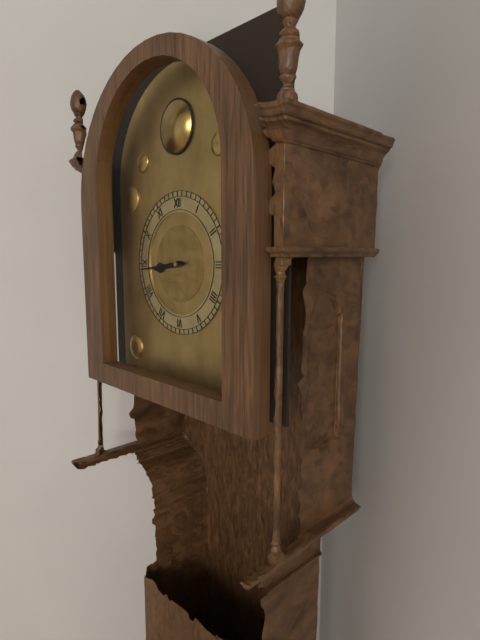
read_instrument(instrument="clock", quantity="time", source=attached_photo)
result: 8:44
